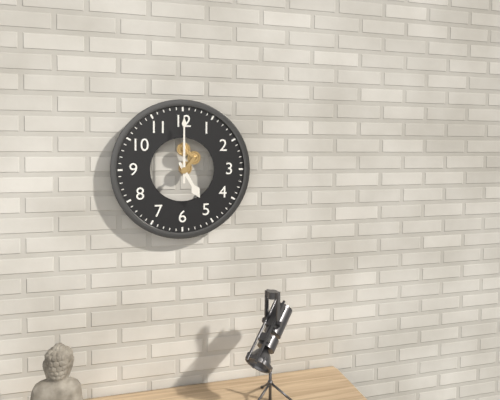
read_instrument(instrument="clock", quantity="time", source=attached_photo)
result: 5:00
